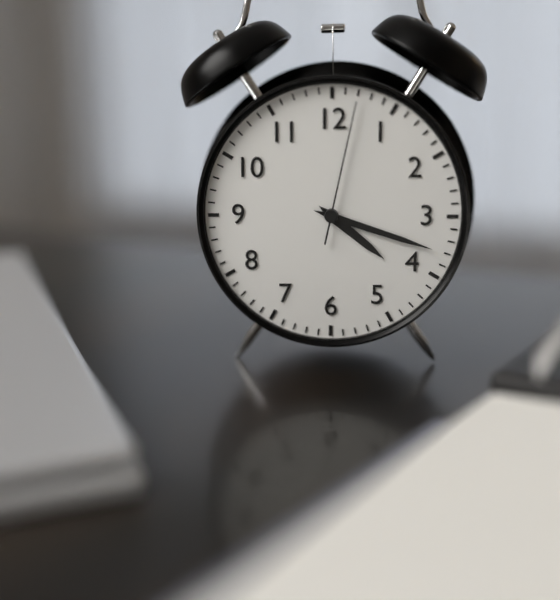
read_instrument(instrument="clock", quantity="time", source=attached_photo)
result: 4:18:02
